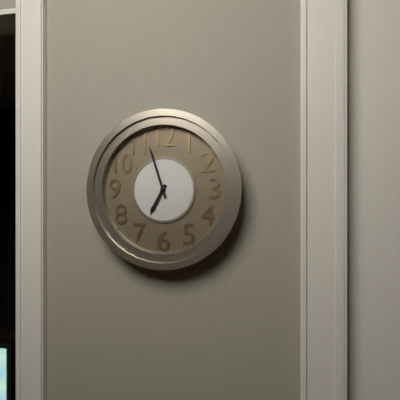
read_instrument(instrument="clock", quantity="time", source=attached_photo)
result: 6:57
